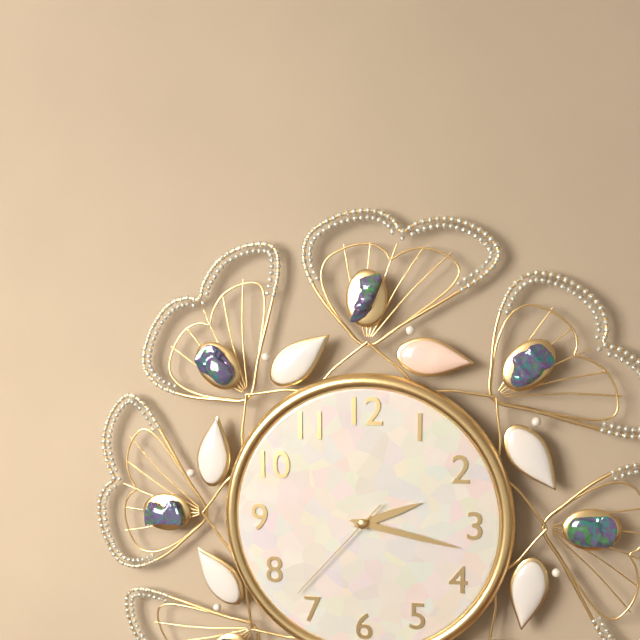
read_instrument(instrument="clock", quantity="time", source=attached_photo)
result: 2:17:37
